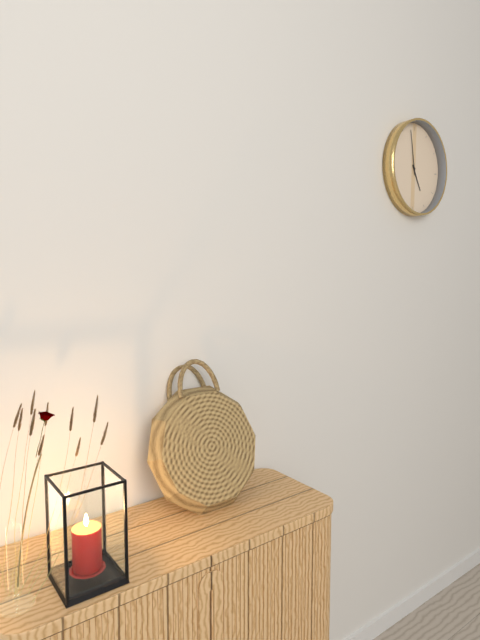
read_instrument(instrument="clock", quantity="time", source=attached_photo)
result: 4:58
